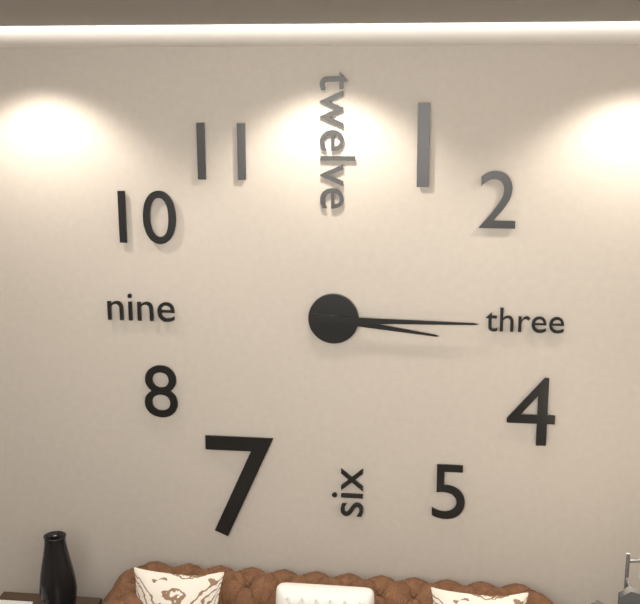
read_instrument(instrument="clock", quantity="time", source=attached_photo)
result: 3:15
